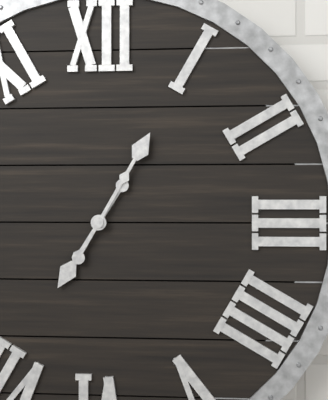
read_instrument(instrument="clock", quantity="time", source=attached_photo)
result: 7:05
